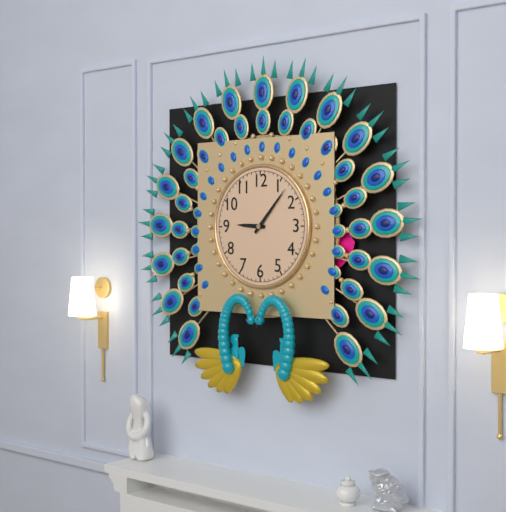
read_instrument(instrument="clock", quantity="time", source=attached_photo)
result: 9:07
